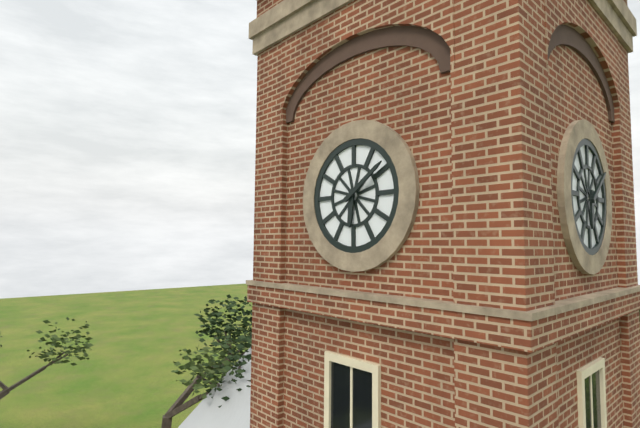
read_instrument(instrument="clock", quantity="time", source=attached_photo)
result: 6:09
